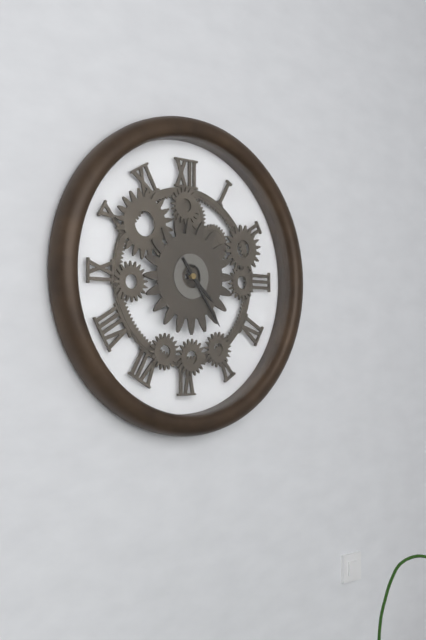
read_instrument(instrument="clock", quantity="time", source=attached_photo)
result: 4:24
